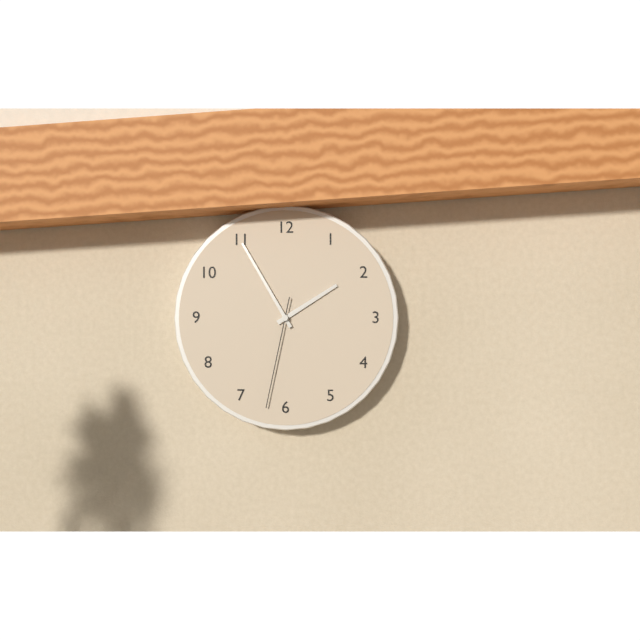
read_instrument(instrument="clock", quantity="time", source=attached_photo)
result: 1:55:32
